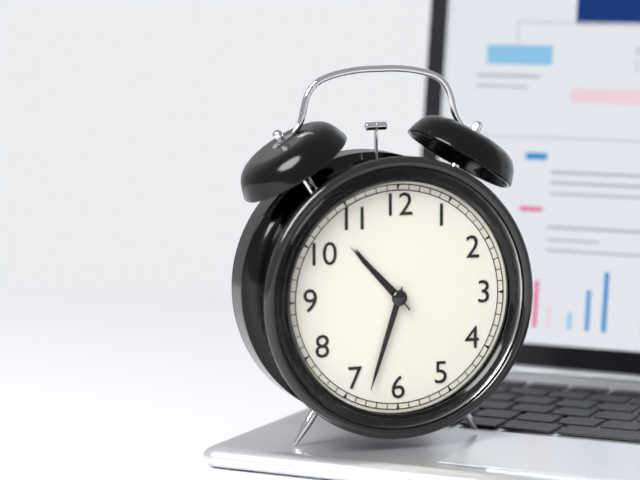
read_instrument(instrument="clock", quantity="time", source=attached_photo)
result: 10:33:53
